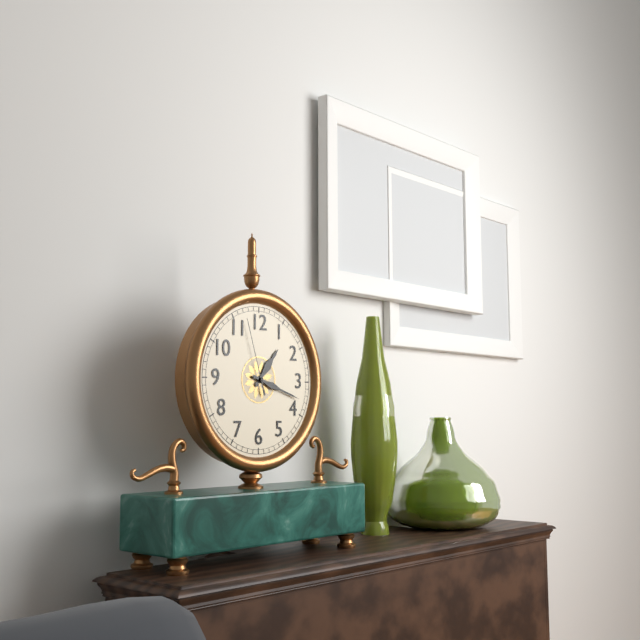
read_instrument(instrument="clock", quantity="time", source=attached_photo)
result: 1:18:57
